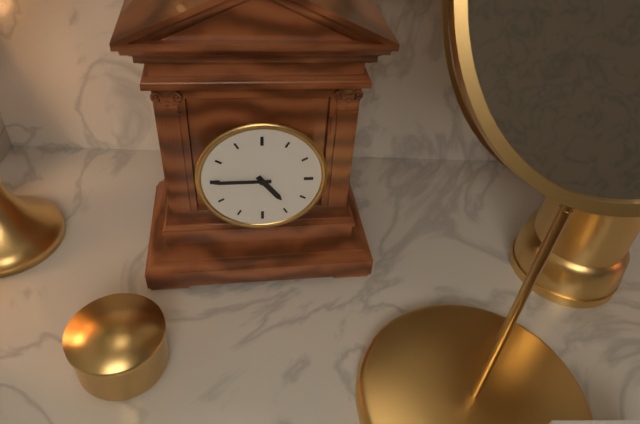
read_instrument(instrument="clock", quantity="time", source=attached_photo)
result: 4:45
